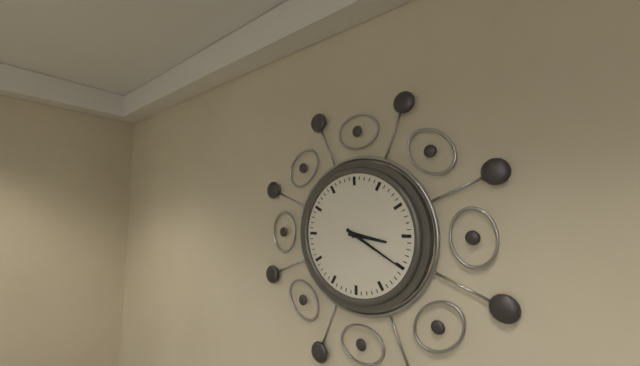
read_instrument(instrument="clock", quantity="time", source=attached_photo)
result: 3:20
